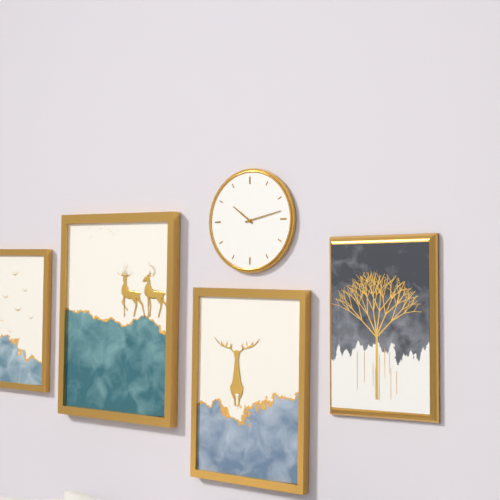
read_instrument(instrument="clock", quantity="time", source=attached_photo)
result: 10:13
